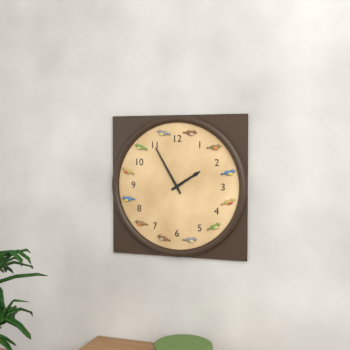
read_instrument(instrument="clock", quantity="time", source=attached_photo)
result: 1:55
